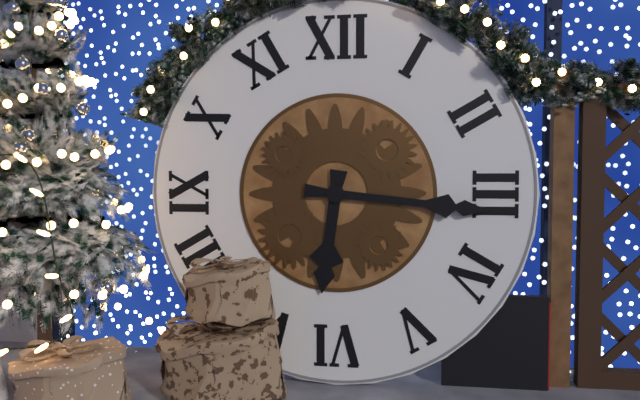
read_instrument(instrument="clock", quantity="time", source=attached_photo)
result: 6:16
